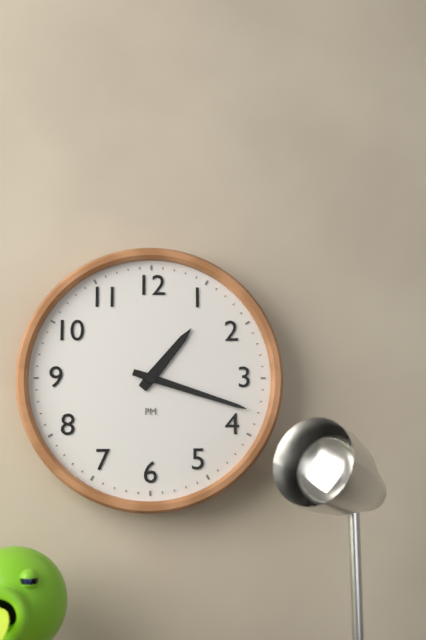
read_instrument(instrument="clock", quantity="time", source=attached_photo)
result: 1:18
